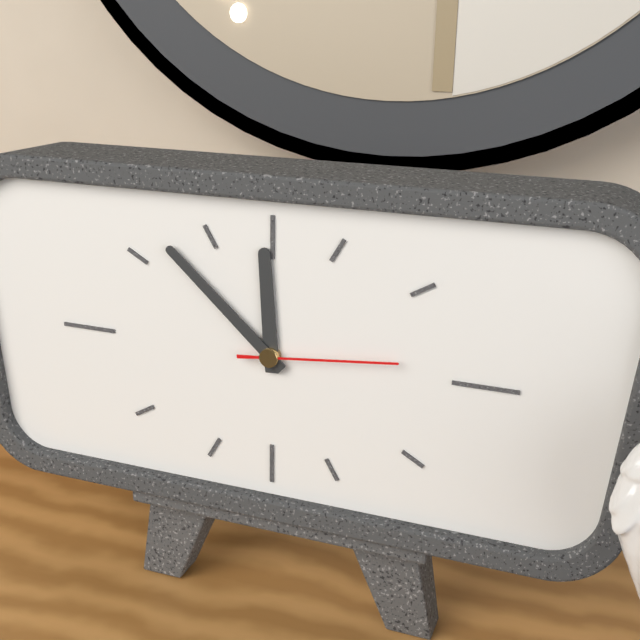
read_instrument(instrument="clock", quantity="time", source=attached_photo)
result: 11:52:14
